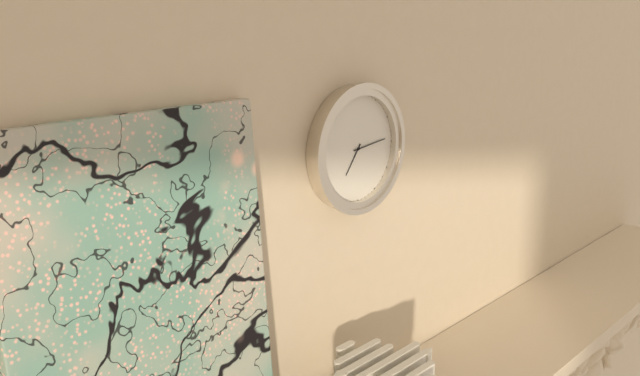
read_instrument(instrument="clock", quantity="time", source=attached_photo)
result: 7:14
